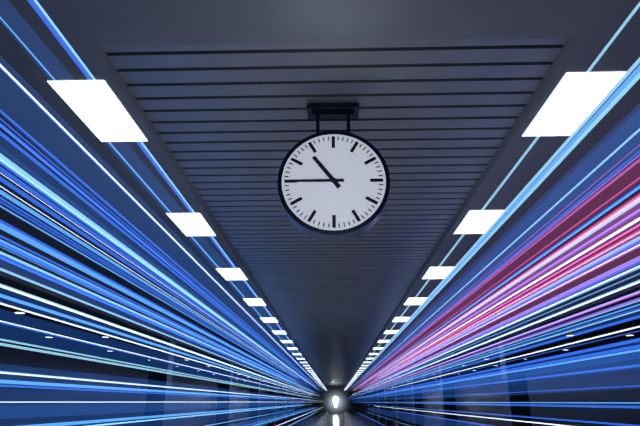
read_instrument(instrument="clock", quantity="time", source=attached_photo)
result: 10:45
